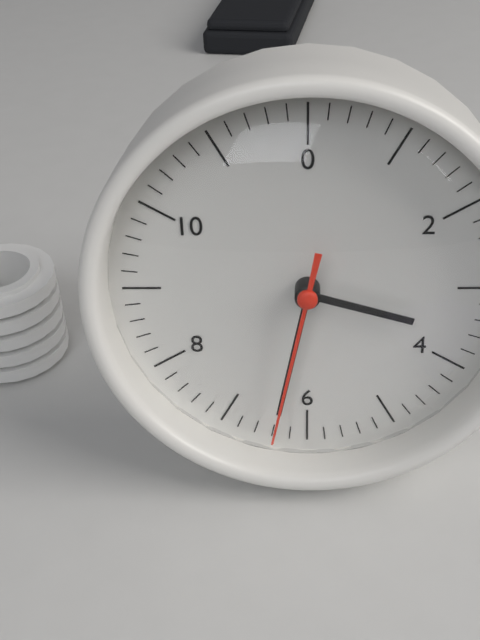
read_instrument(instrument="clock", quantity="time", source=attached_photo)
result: 3:32:32
